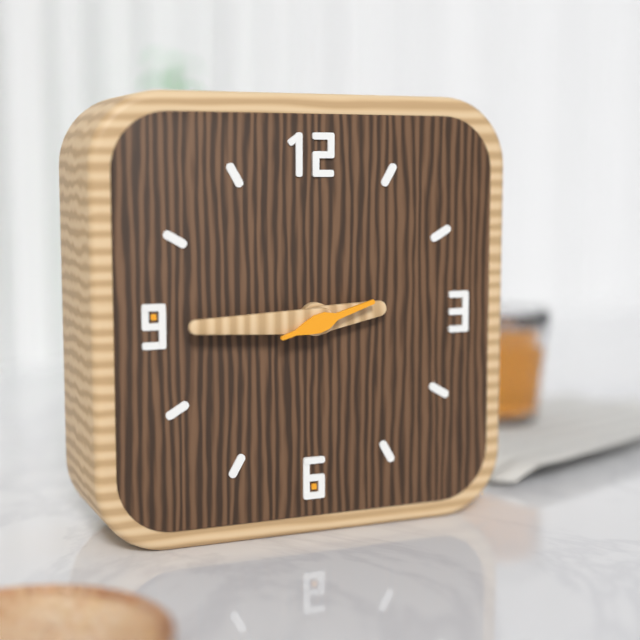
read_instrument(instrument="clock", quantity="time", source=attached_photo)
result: 2:45:12
